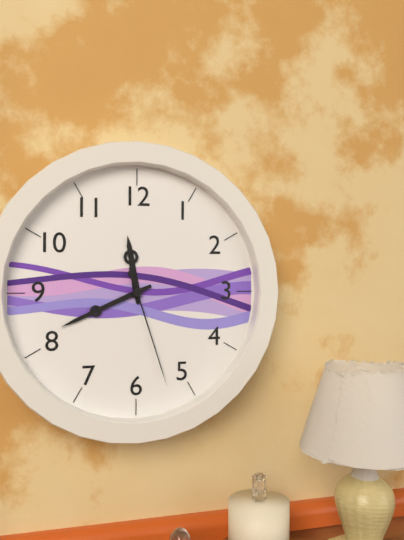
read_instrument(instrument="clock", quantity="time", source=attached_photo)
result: 11:41:27
